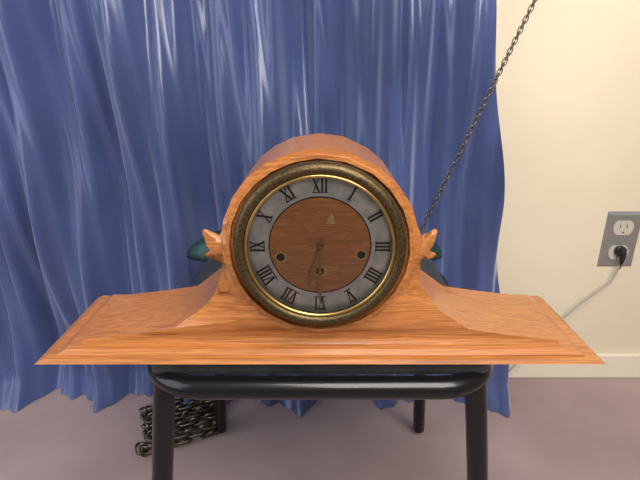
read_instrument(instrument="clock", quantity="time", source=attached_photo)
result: 6:30
